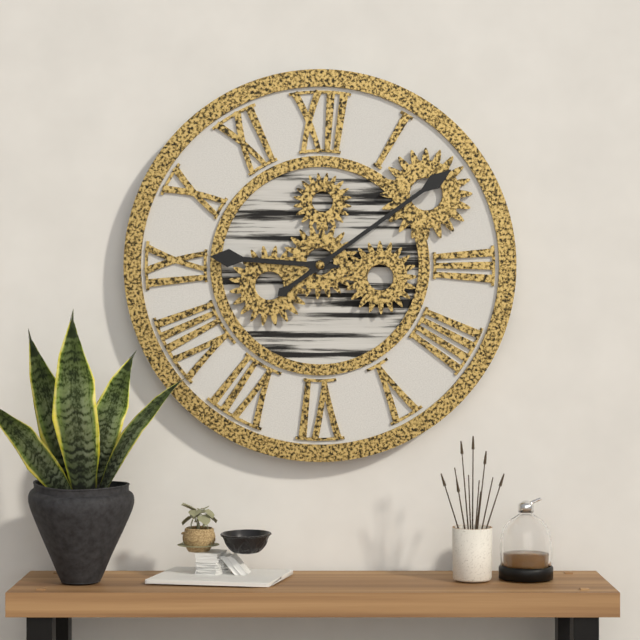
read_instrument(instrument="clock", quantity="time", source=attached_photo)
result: 9:09
